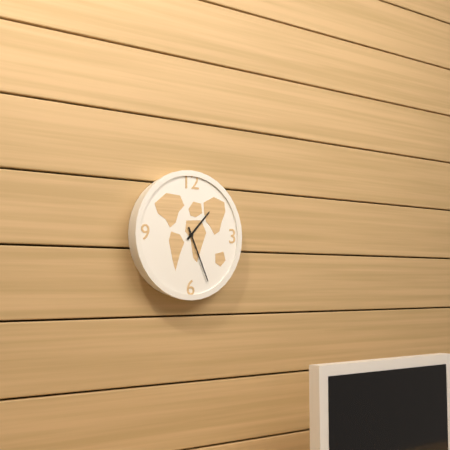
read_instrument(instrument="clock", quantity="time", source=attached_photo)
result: 1:26
